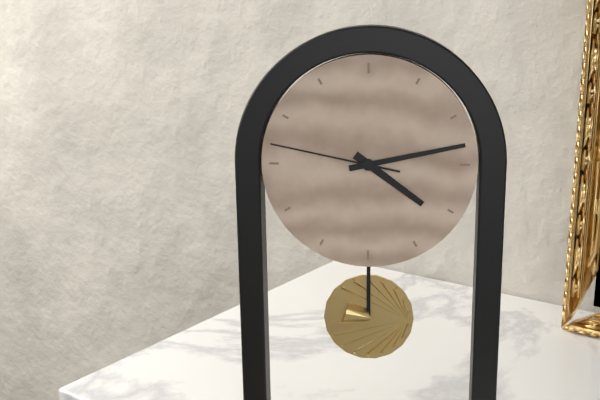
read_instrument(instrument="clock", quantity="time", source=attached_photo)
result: 4:13:47
